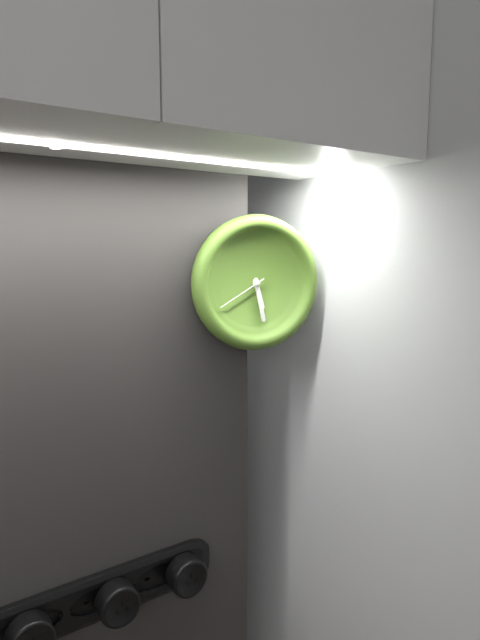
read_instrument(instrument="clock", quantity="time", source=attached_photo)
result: 5:28:40
